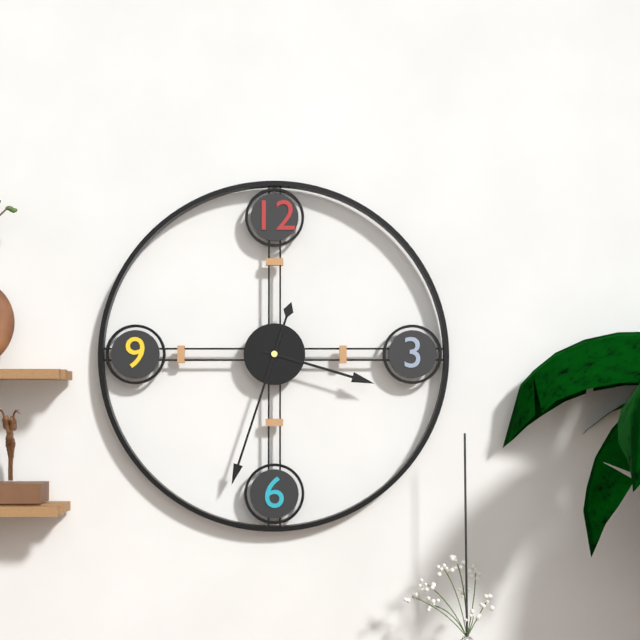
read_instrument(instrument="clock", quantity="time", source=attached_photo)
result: 3:33
